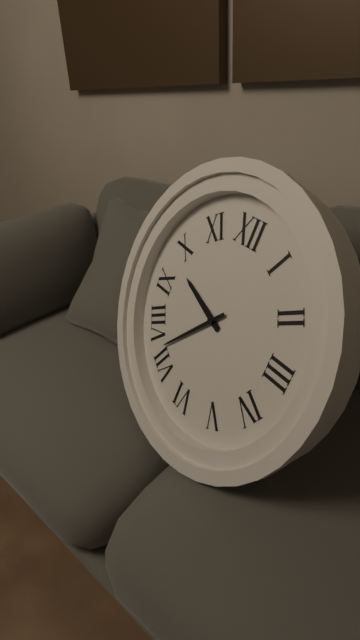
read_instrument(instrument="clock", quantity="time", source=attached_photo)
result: 9:37
